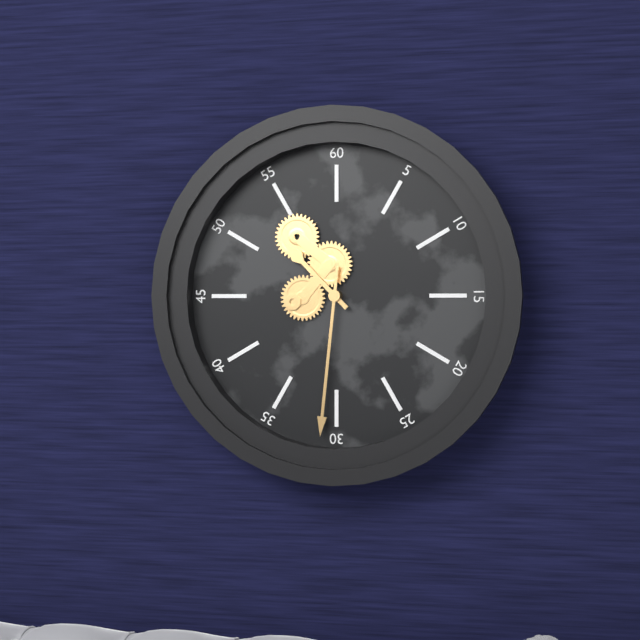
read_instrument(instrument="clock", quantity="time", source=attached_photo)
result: 10:31
